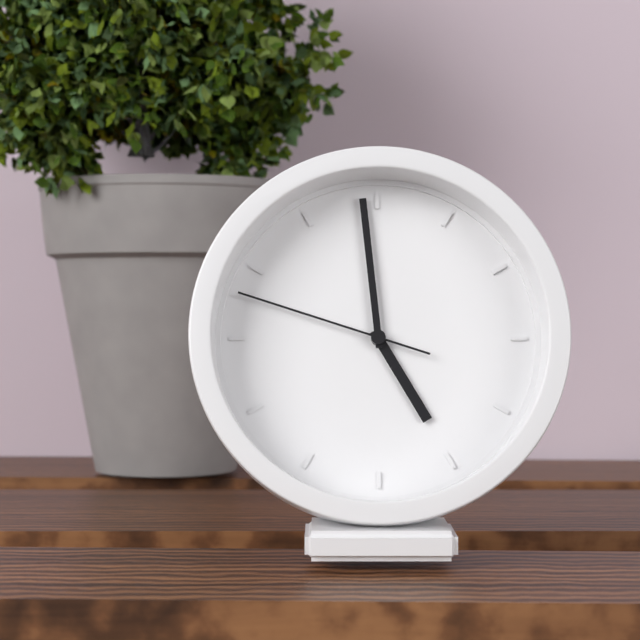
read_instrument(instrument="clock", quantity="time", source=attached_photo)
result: 4:59:48
